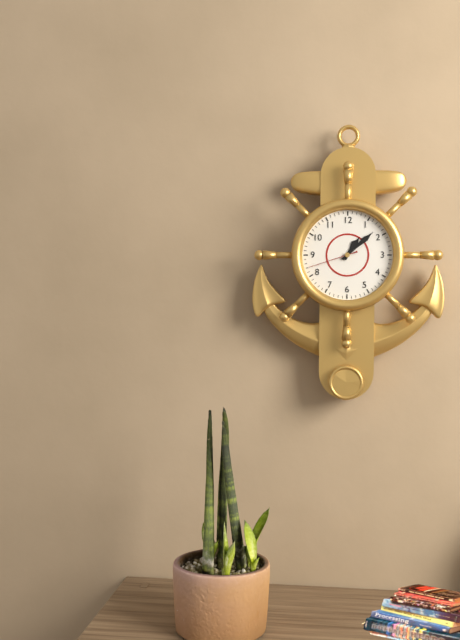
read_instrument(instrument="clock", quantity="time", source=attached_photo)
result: 1:08:42
